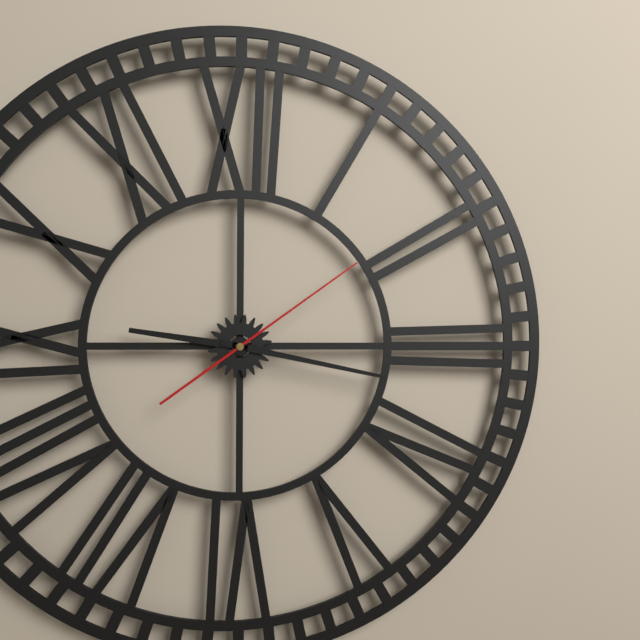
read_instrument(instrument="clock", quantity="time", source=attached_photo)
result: 9:17:09
